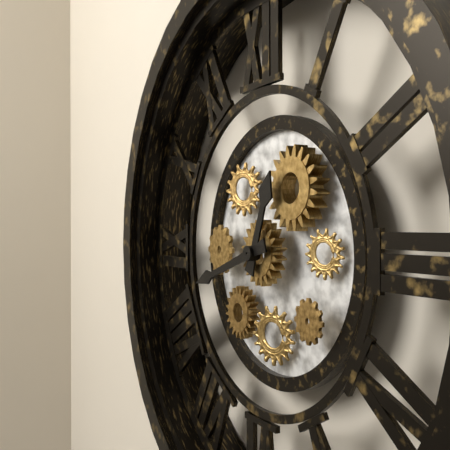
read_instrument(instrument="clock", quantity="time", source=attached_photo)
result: 12:42
